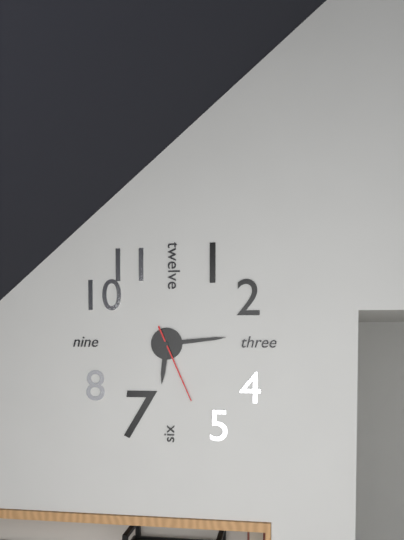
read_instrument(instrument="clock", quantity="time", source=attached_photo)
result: 6:14:26
